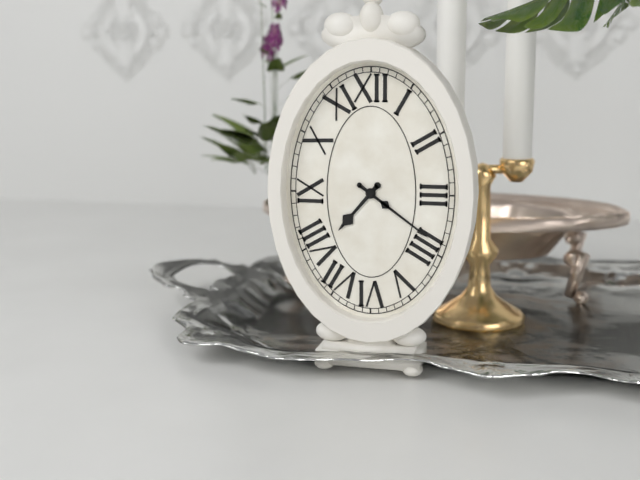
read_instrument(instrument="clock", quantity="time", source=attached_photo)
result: 7:21
